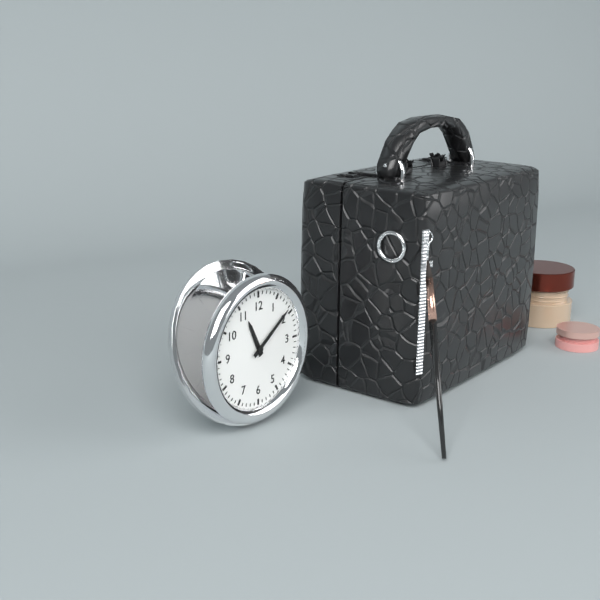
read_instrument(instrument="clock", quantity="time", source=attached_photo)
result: 11:09
